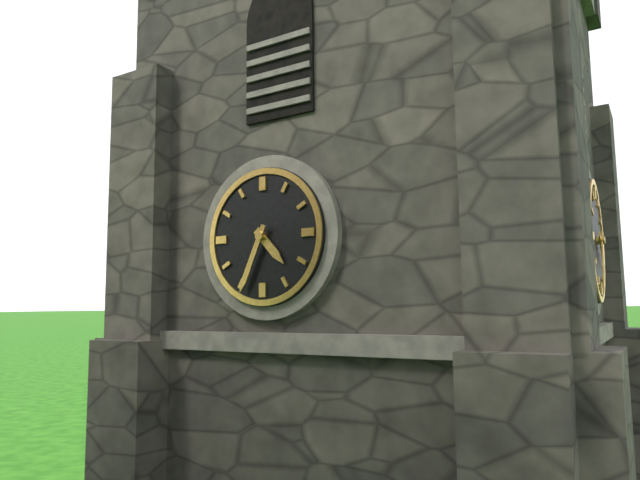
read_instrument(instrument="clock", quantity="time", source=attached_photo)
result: 4:34
